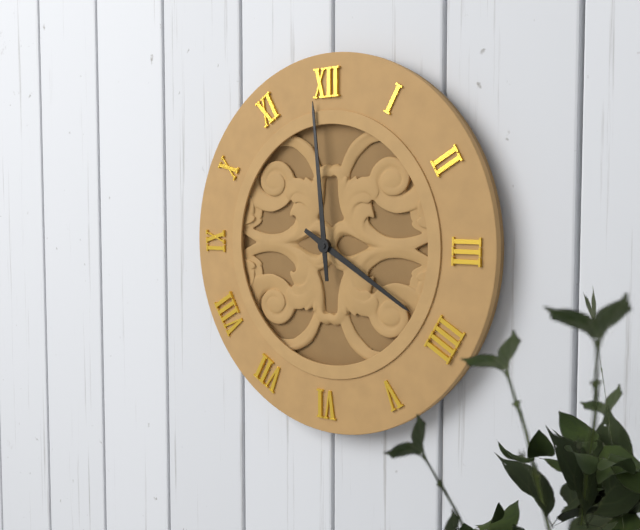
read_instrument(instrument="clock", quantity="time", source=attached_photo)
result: 3:59
